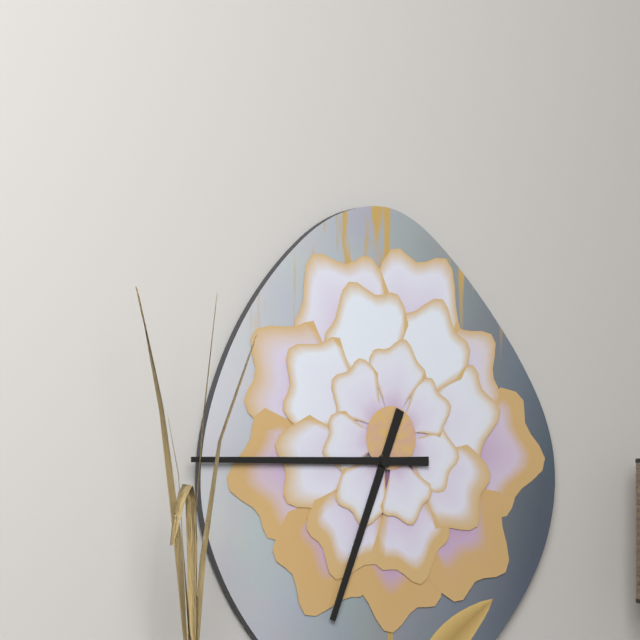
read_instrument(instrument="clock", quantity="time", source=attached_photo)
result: 6:45
